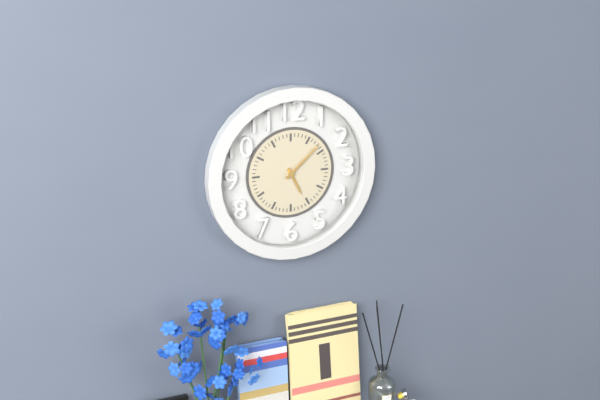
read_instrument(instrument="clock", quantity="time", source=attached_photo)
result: 5:08
